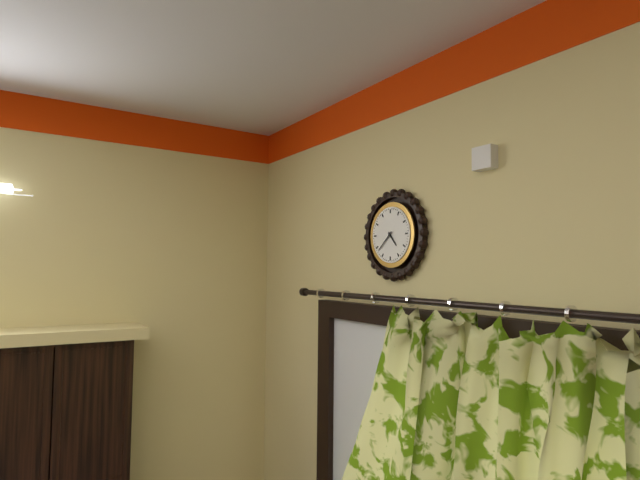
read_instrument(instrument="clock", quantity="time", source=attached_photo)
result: 4:38
